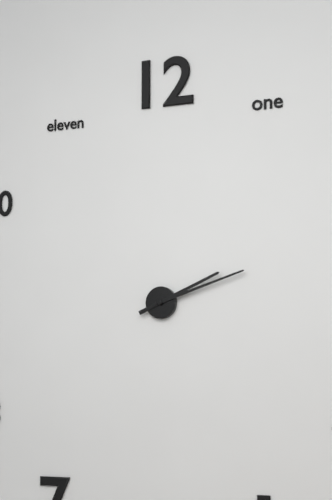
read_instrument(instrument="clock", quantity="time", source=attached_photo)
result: 2:12
